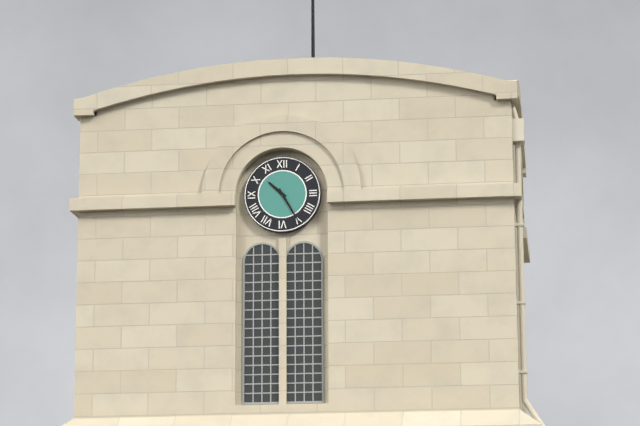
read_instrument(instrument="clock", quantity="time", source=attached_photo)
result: 10:25
